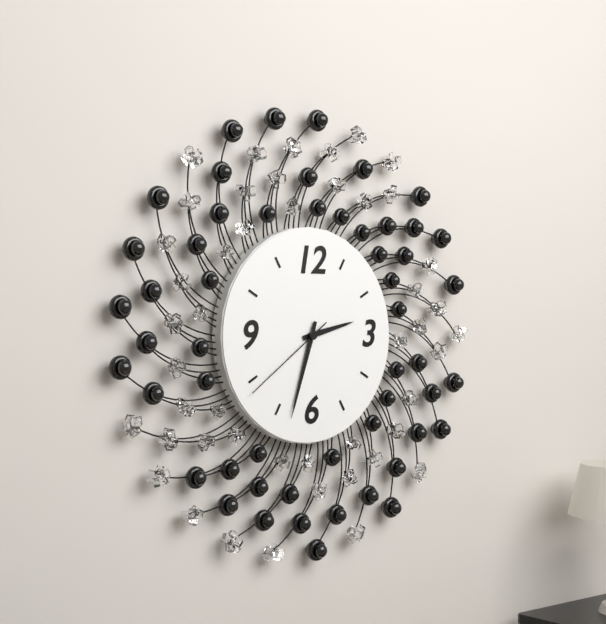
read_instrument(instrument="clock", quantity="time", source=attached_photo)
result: 2:33:39
